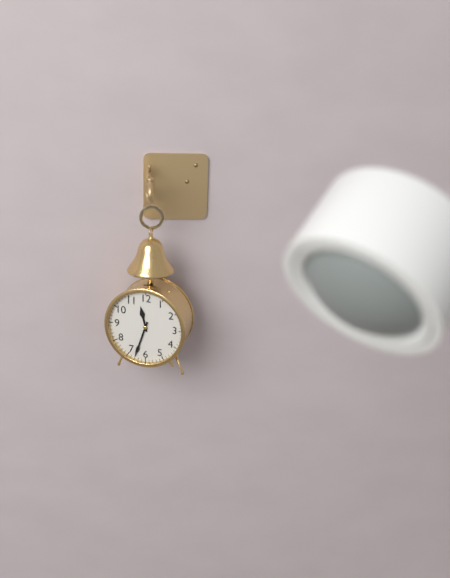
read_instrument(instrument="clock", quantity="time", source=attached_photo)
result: 11:33
